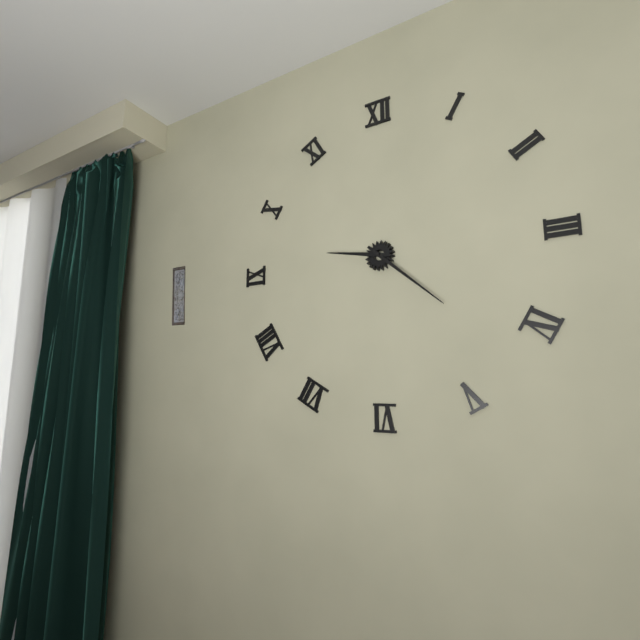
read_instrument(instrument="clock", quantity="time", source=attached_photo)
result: 9:22
